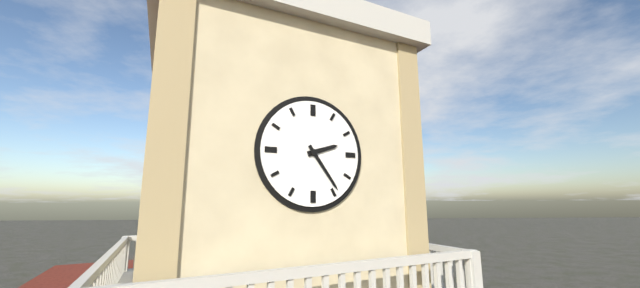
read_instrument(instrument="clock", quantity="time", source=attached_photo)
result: 2:24
